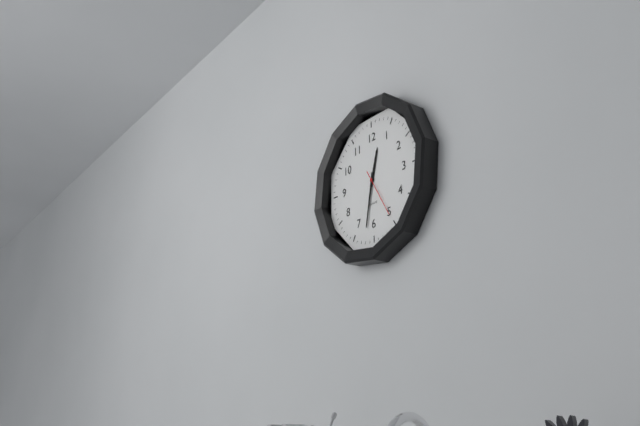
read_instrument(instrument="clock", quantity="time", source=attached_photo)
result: 12:32
